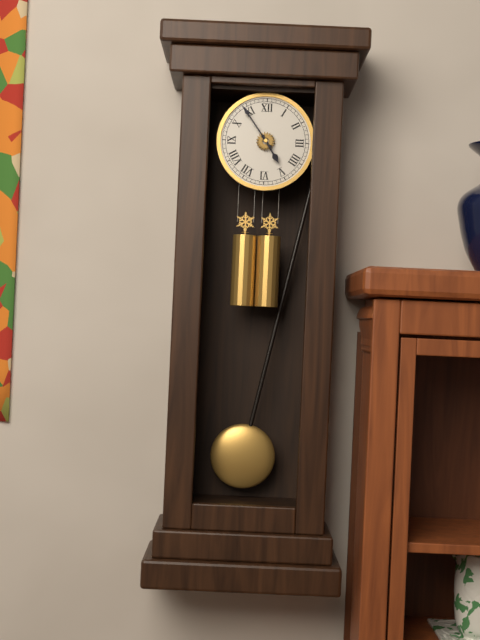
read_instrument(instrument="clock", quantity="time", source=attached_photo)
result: 4:54
